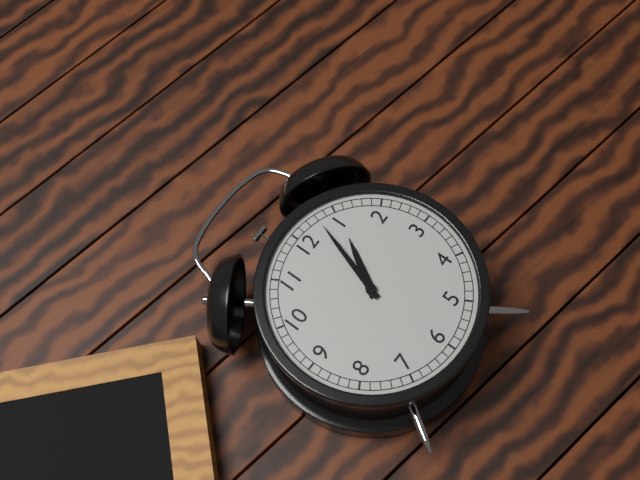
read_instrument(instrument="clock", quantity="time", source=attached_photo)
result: 1:03
